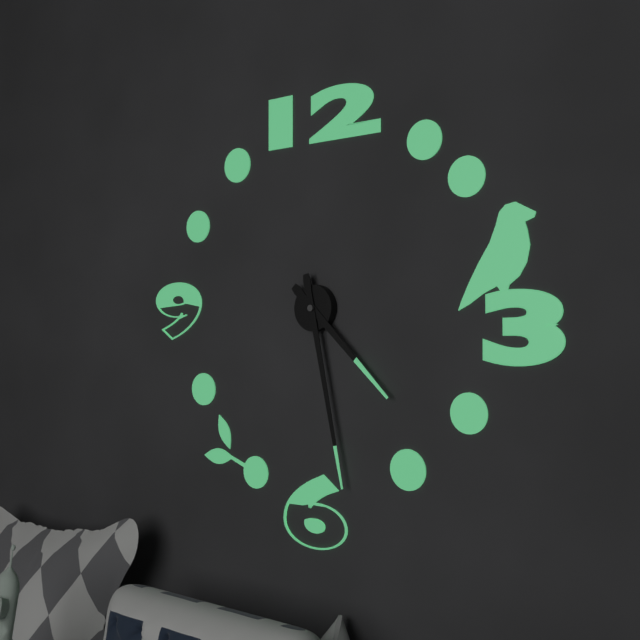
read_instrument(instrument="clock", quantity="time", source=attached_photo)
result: 4:28
